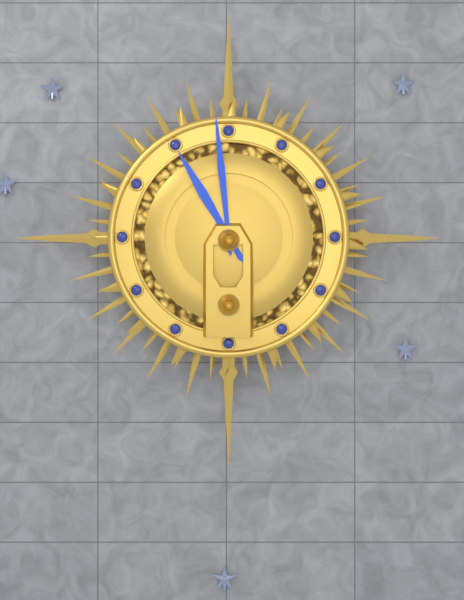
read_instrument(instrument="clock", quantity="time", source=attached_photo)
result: 10:59
